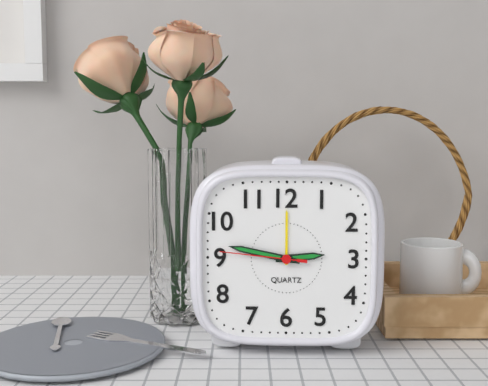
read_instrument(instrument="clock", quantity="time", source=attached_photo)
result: 2:47:46
